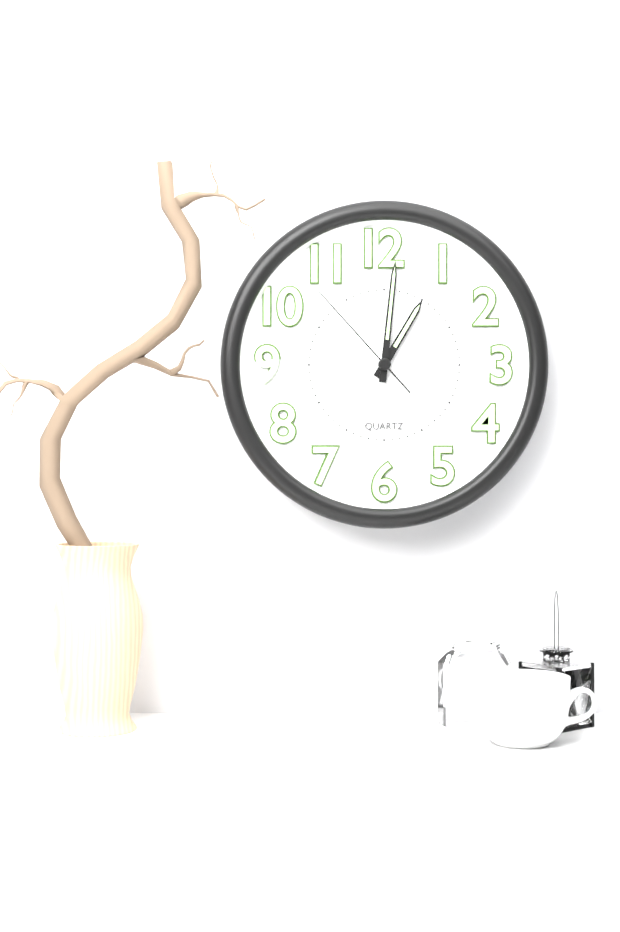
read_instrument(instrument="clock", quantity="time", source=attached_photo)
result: 1:01:53
